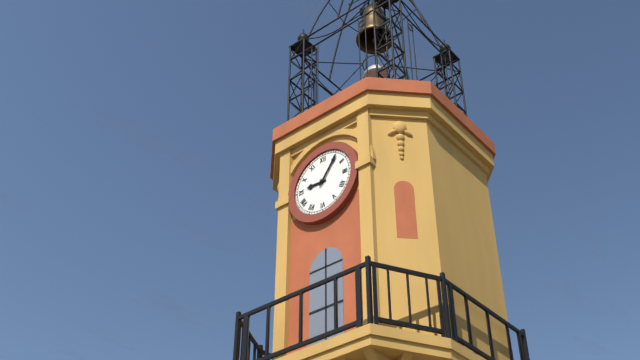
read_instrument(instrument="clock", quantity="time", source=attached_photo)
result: 9:06
